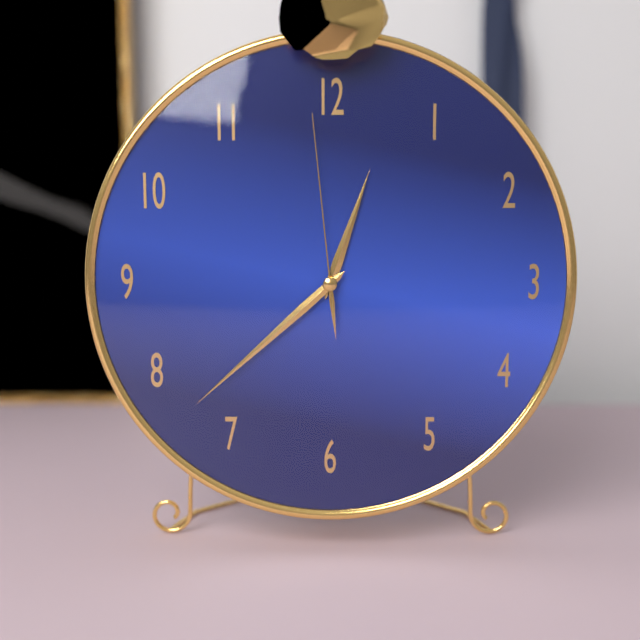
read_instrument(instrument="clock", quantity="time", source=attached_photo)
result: 12:38:59
